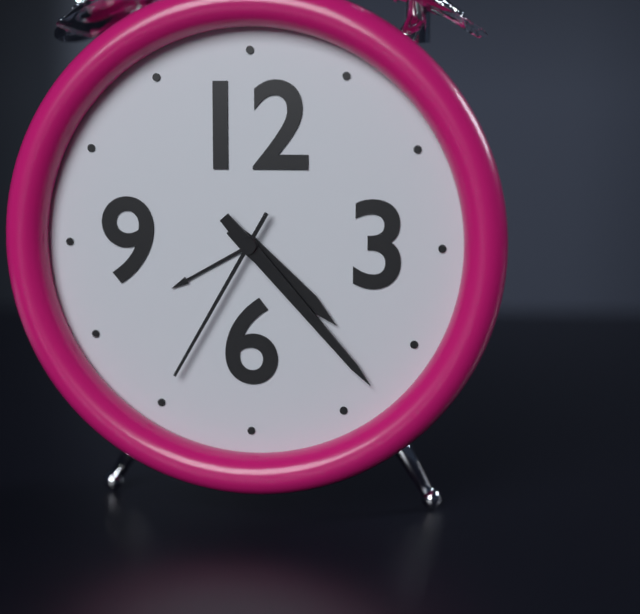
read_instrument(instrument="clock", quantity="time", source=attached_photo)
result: 4:23:35
